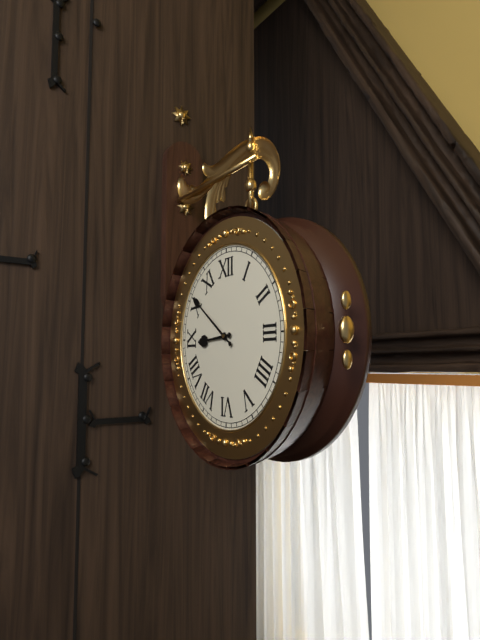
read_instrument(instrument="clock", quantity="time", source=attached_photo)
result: 8:51
